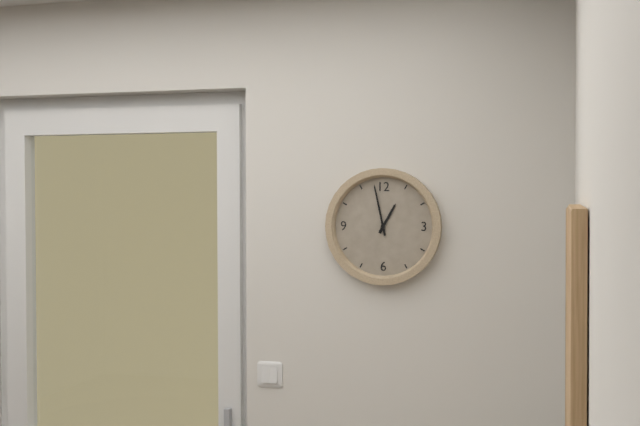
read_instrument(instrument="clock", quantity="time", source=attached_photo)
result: 12:58
